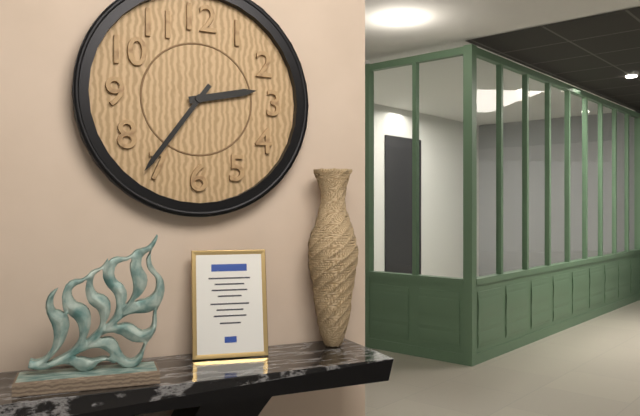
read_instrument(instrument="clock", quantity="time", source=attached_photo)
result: 2:36
